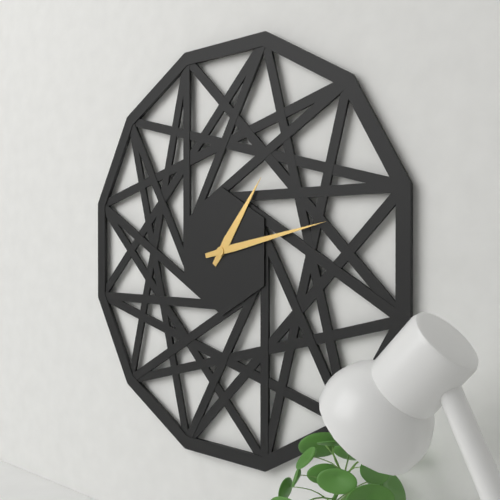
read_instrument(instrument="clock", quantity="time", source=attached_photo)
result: 1:13
